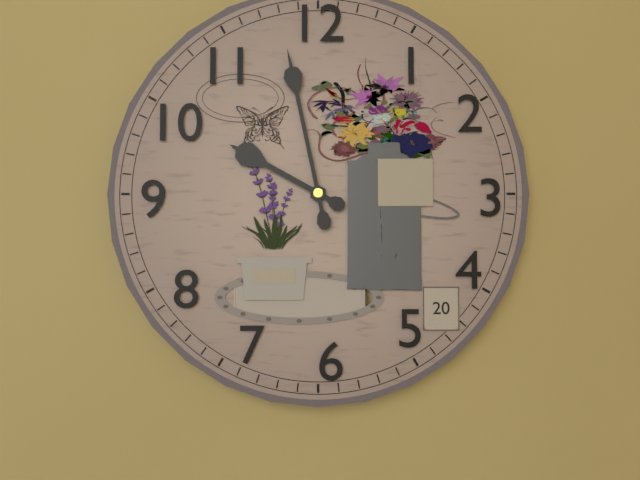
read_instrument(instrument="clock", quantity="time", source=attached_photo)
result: 9:58
